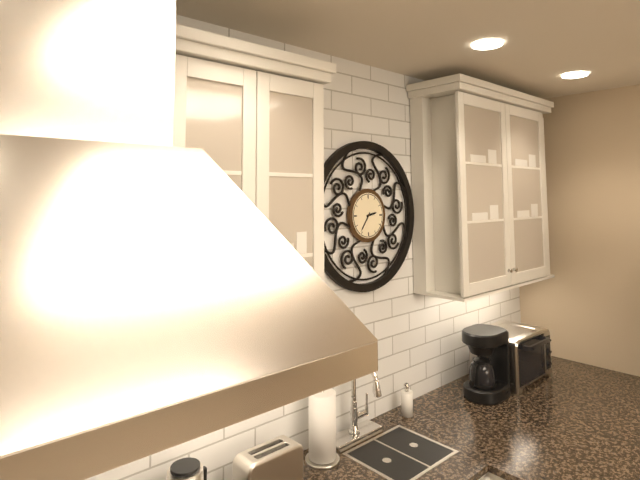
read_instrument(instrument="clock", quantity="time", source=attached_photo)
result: 2:36
